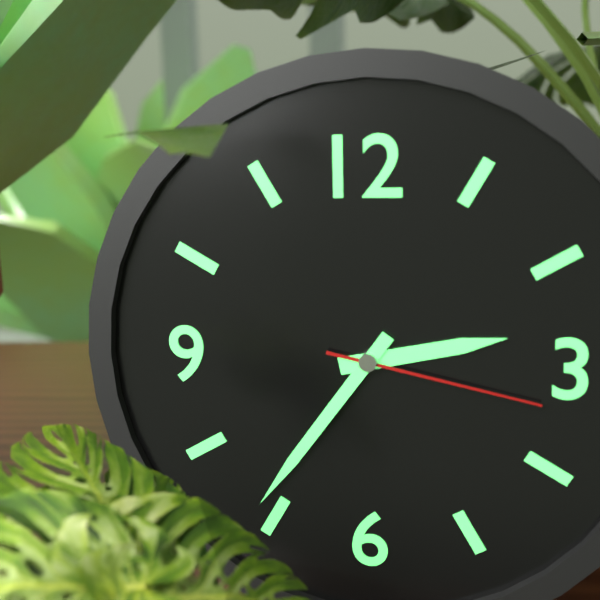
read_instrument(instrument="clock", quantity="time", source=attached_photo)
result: 2:36:17
